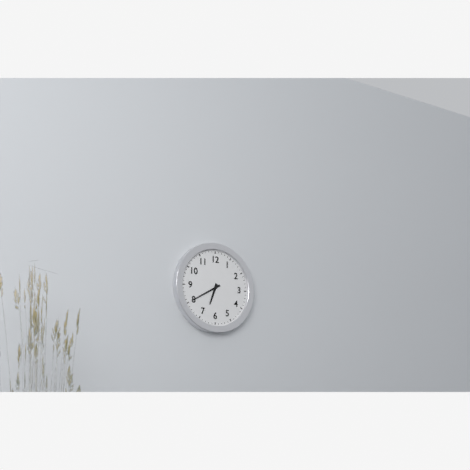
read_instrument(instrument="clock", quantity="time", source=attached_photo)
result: 6:40
